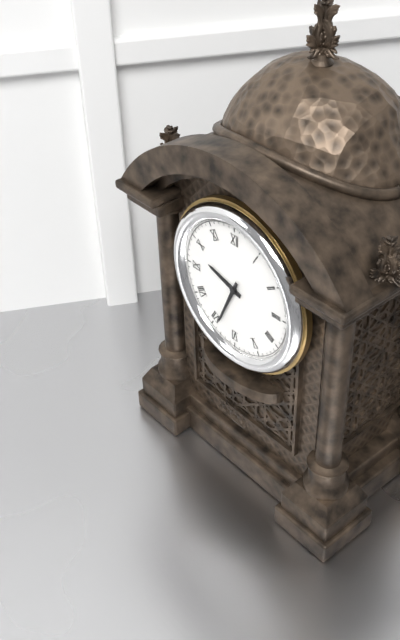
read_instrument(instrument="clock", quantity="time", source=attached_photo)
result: 9:34
